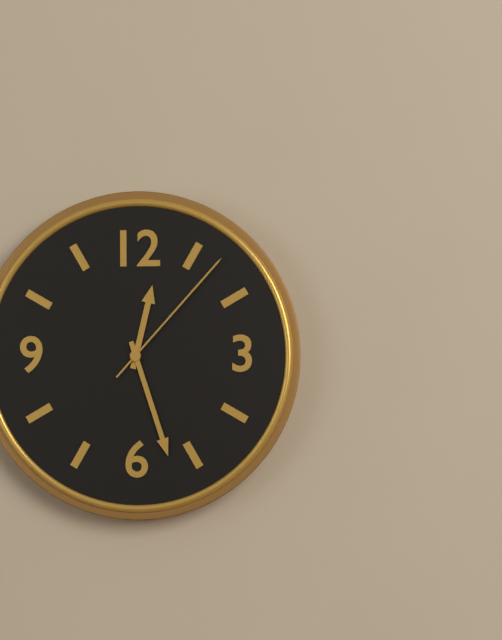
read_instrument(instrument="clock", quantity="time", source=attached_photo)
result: 12:27:07
